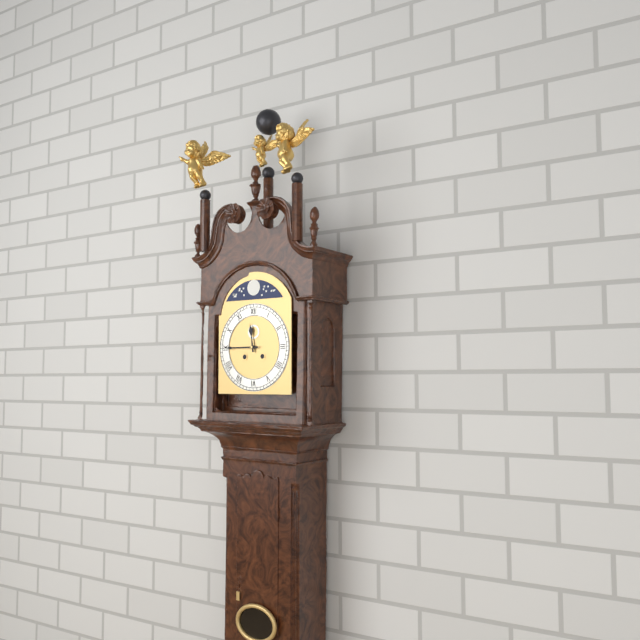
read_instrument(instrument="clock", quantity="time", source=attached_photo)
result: 11:45
